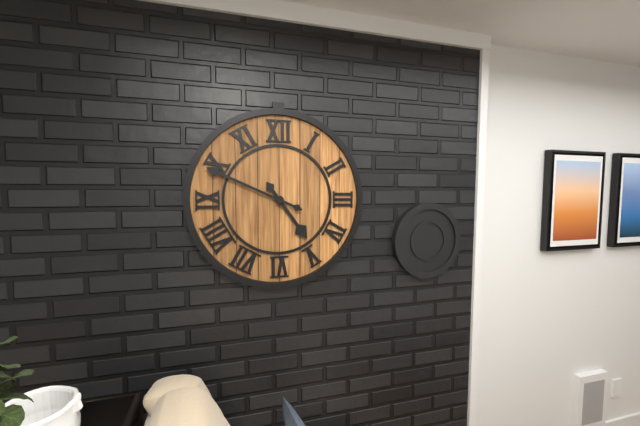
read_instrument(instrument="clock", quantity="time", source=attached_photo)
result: 4:49
